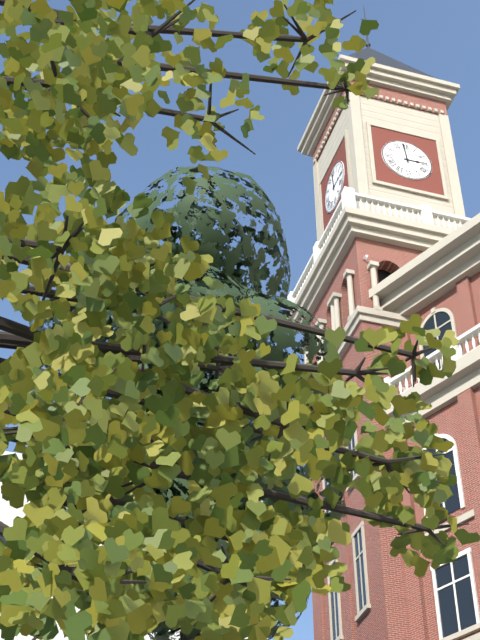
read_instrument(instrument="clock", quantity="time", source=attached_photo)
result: 2:59
